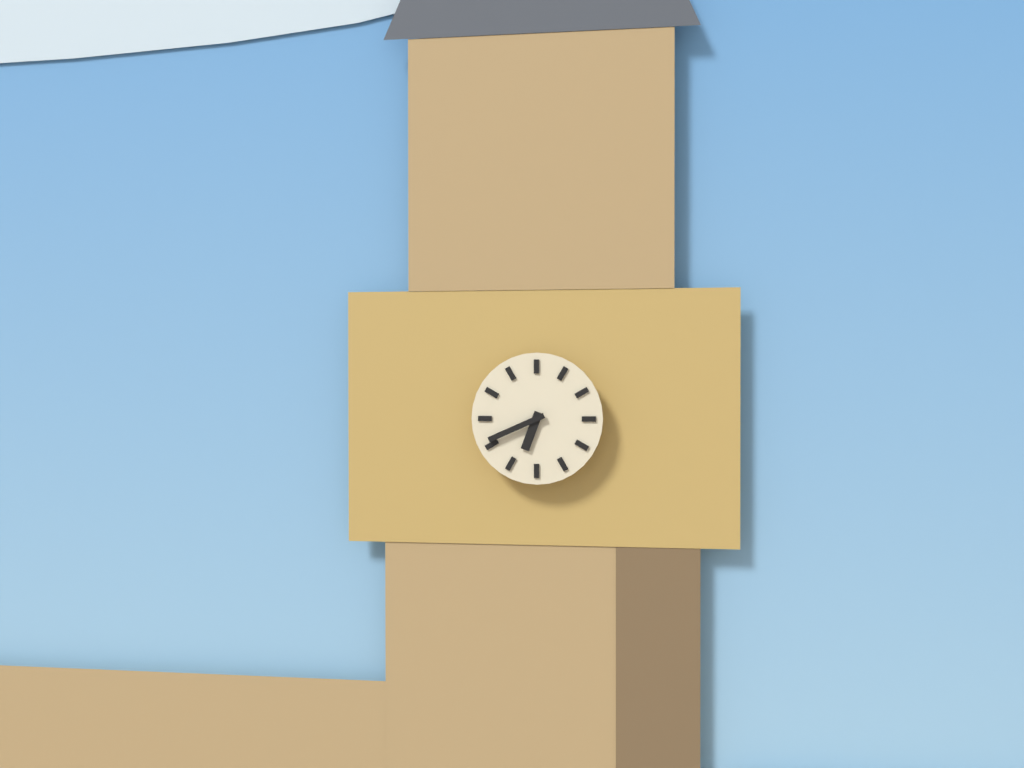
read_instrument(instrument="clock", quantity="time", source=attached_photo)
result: 6:41
